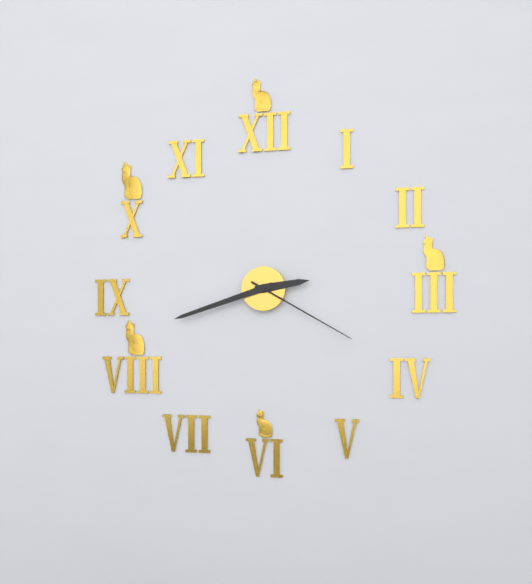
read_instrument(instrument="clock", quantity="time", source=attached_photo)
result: 2:42:20
